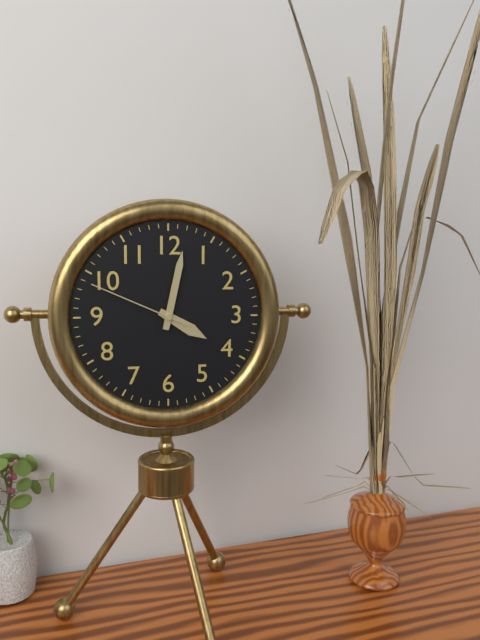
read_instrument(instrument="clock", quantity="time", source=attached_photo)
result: 4:02:49
